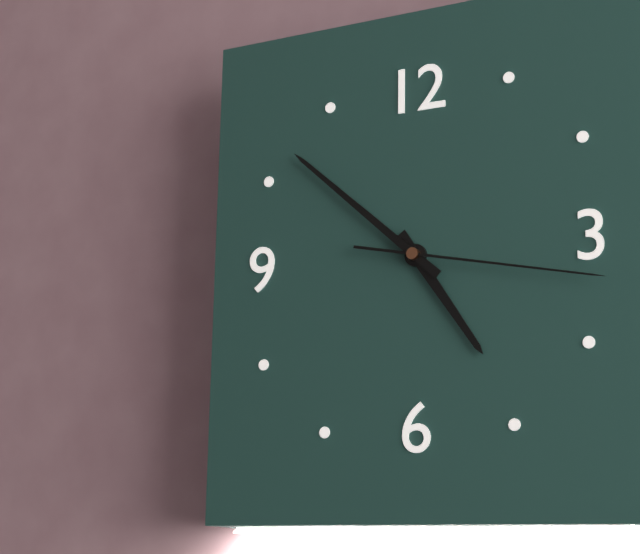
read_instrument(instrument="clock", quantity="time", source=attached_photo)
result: 4:52:17
